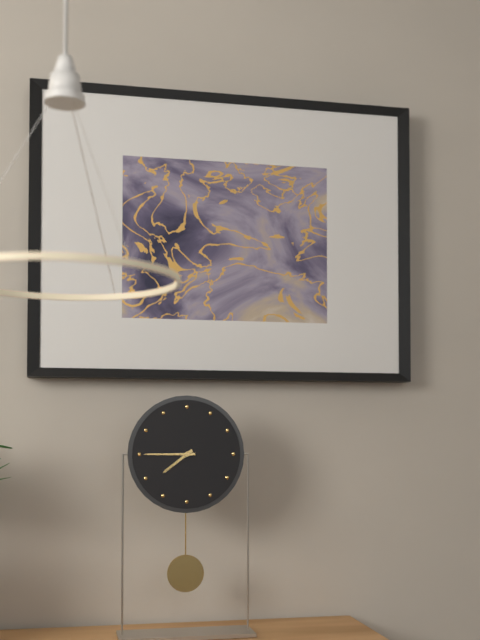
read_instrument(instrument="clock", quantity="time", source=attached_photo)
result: 7:45
